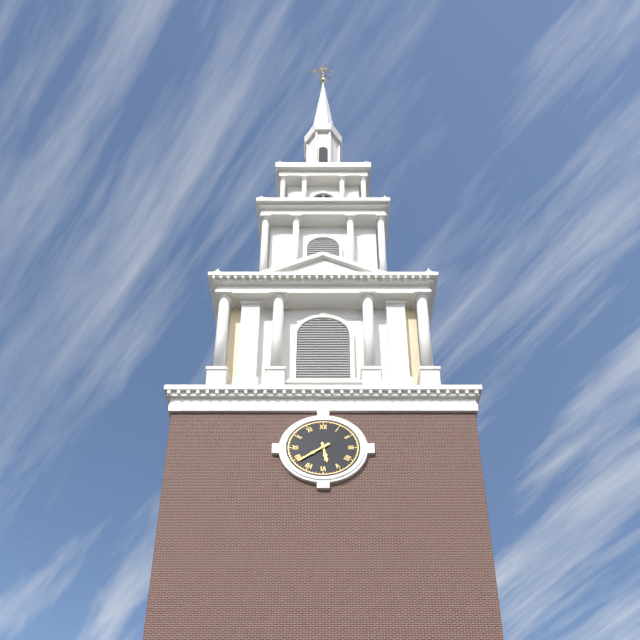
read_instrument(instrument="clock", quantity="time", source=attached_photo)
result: 5:39
